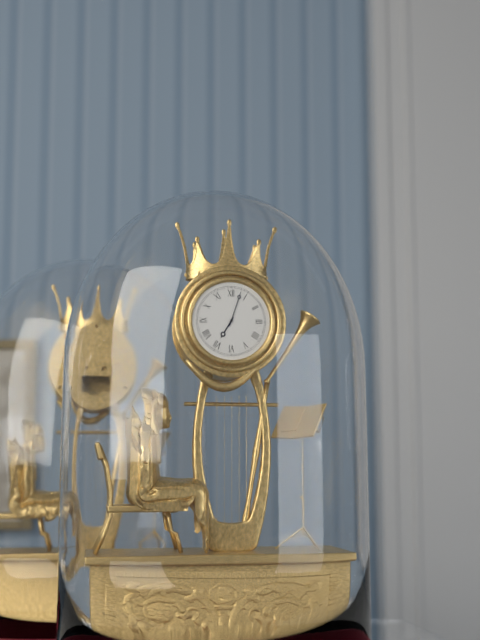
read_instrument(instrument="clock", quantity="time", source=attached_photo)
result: 7:03
